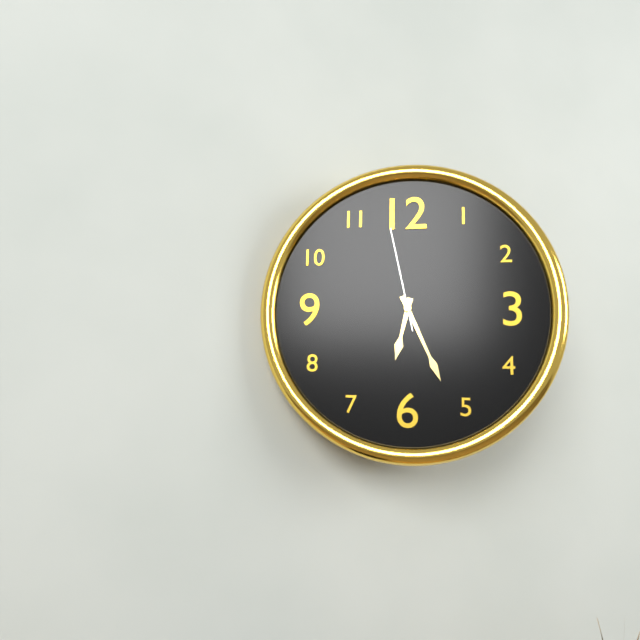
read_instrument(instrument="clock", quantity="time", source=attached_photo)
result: 6:26:58
